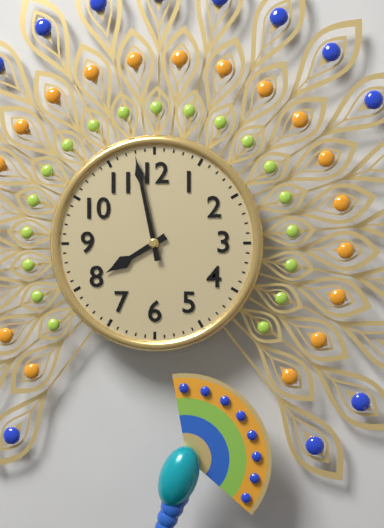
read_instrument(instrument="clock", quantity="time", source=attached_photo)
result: 7:58
